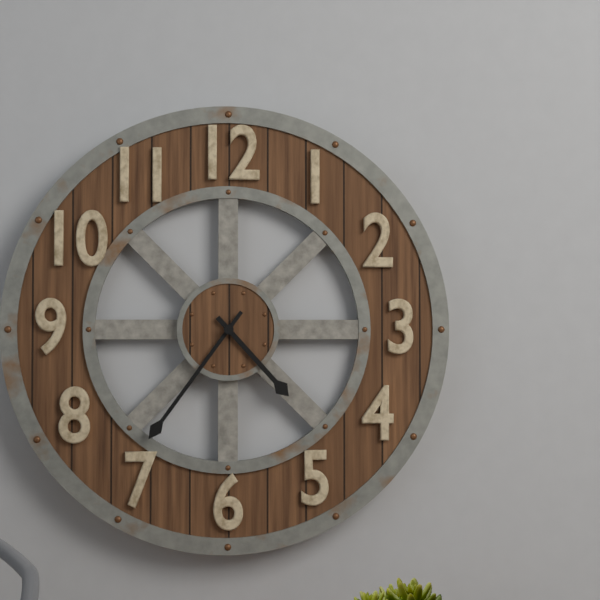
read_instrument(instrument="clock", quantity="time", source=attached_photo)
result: 4:36
